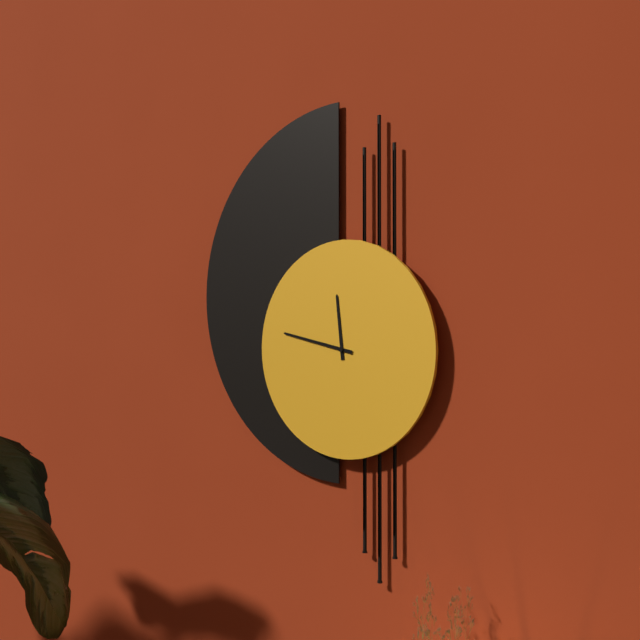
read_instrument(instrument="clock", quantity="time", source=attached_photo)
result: 11:47
